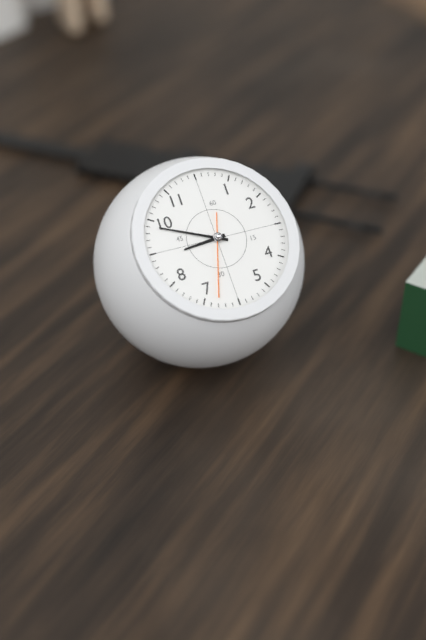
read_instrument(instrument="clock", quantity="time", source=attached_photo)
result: 8:49:33
